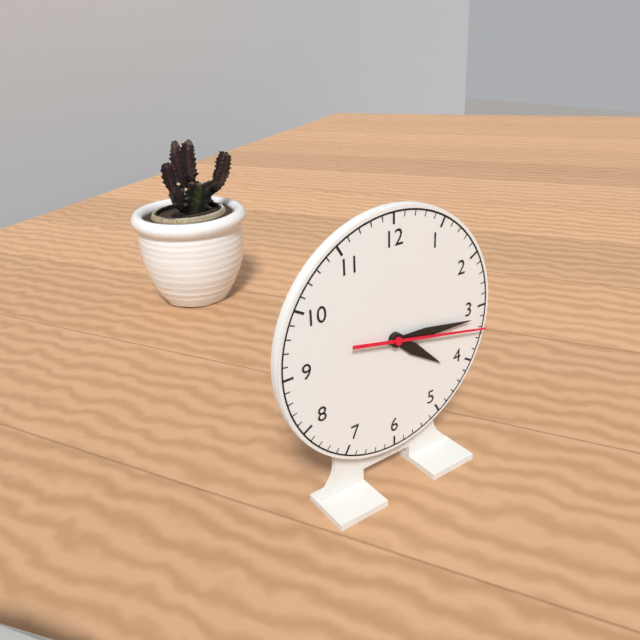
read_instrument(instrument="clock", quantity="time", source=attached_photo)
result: 4:16:17
